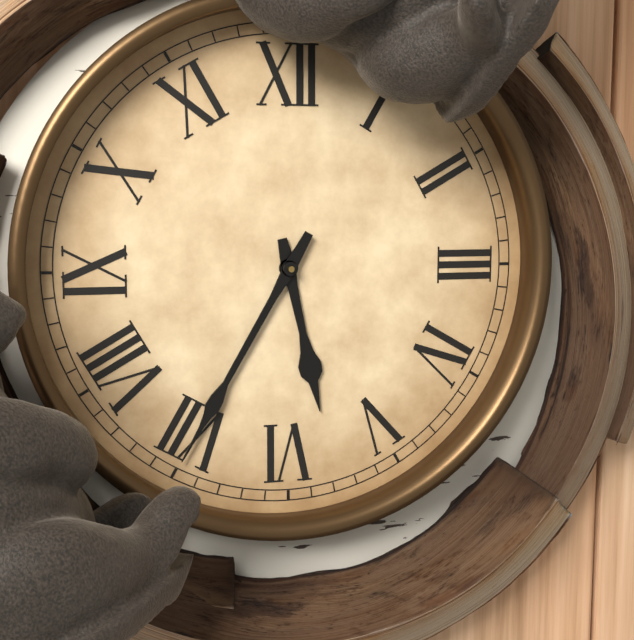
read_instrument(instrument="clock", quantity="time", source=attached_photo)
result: 5:35
